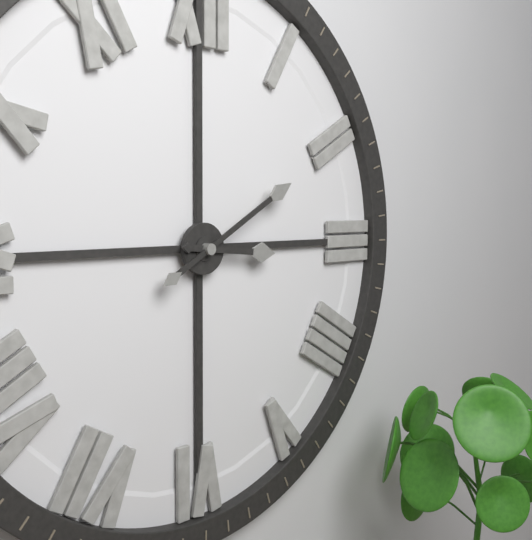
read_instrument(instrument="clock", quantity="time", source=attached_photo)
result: 3:10
